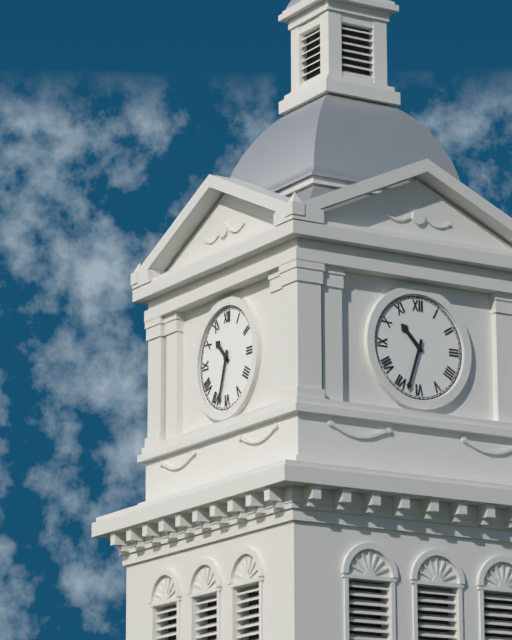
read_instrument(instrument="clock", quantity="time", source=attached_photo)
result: 10:33
